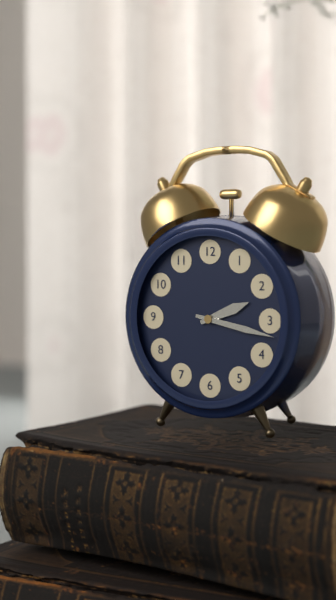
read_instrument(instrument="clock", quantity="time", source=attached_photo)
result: 2:17
